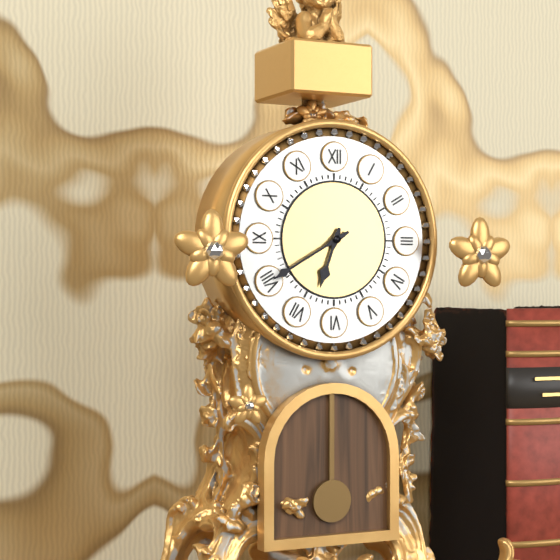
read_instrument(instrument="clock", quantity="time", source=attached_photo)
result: 6:40
